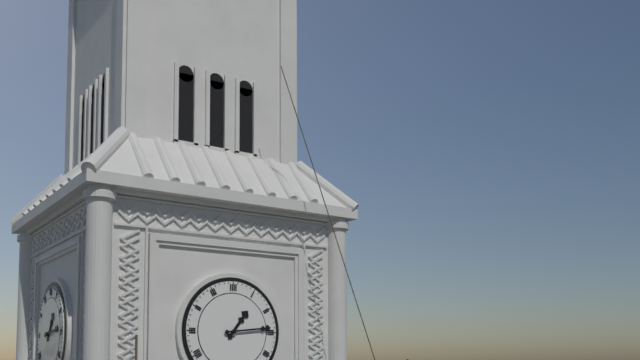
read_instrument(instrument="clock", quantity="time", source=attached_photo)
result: 1:14
